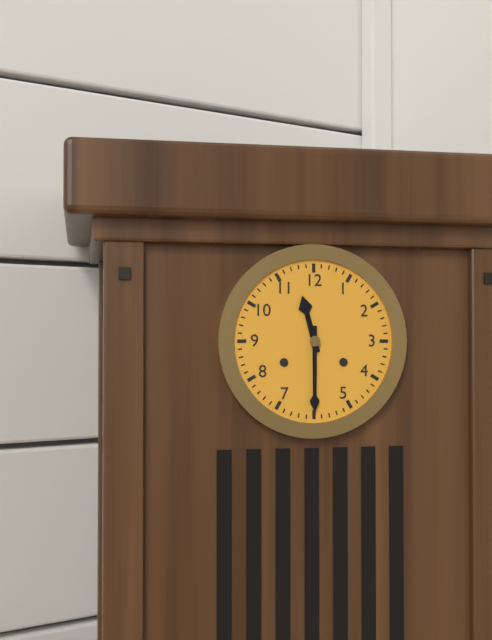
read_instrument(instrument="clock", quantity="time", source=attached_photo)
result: 11:30
